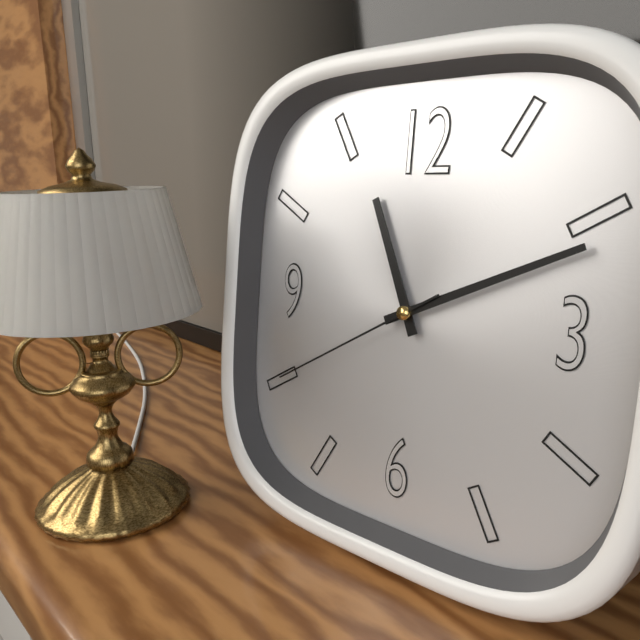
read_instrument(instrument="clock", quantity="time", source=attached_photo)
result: 11:11:40
